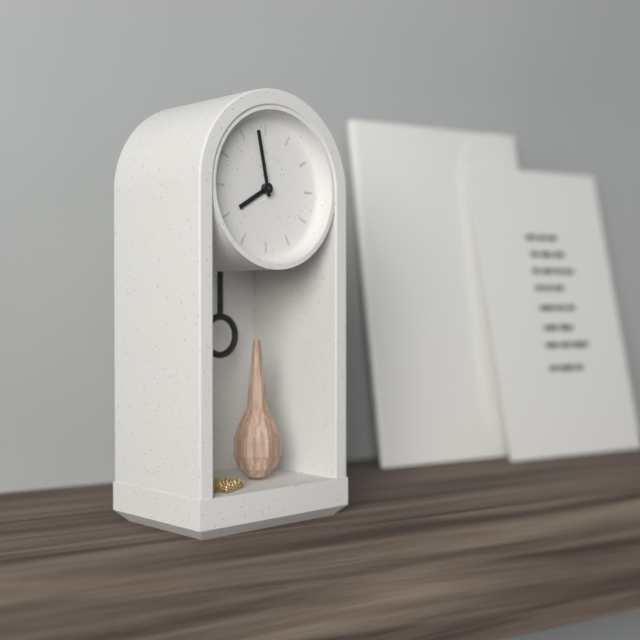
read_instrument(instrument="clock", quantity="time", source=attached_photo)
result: 7:58
